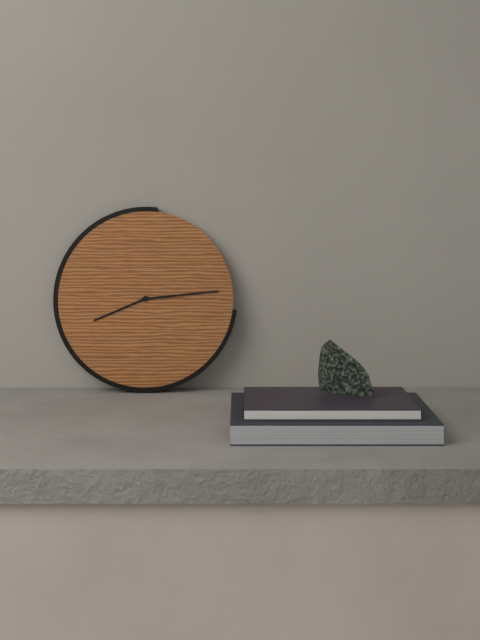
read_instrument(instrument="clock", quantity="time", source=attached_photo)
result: 8:14
